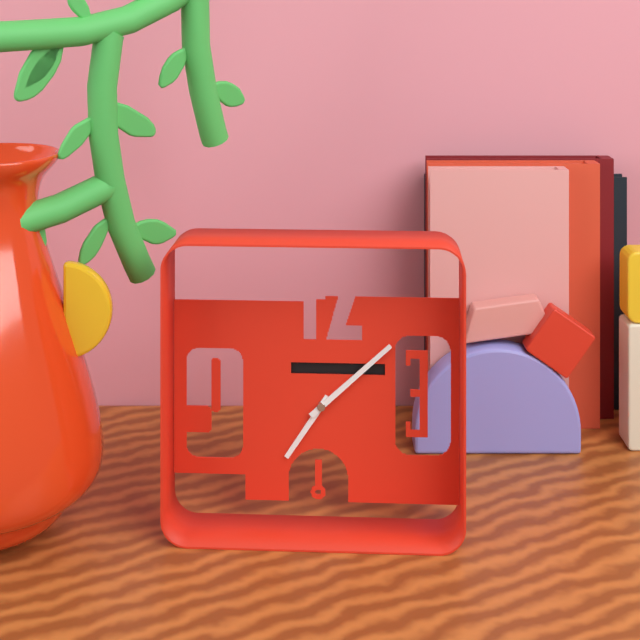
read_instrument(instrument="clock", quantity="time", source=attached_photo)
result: 7:08
